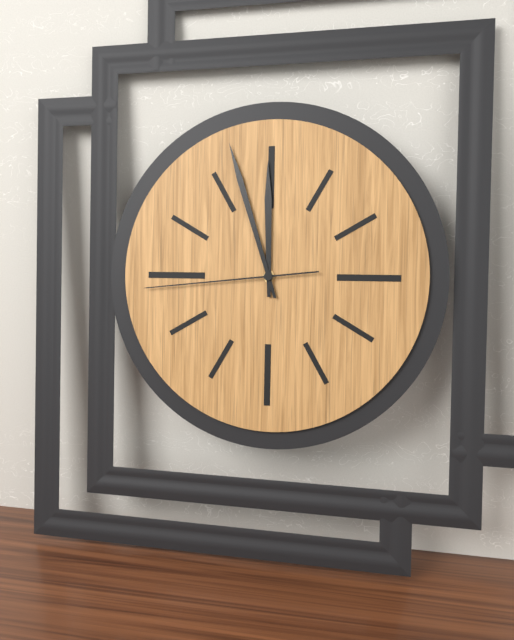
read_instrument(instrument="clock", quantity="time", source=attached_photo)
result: 11:57:44
